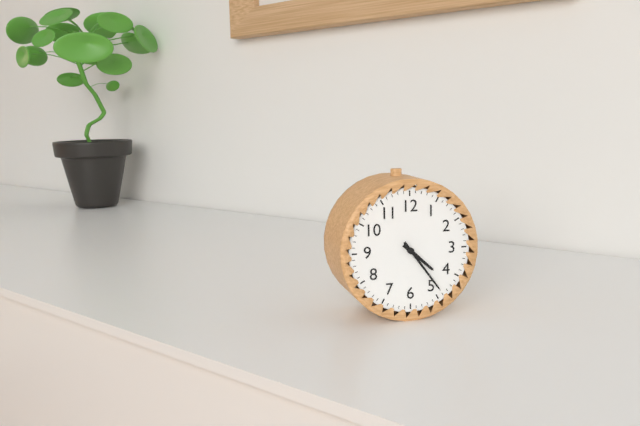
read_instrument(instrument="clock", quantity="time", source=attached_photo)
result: 4:24
